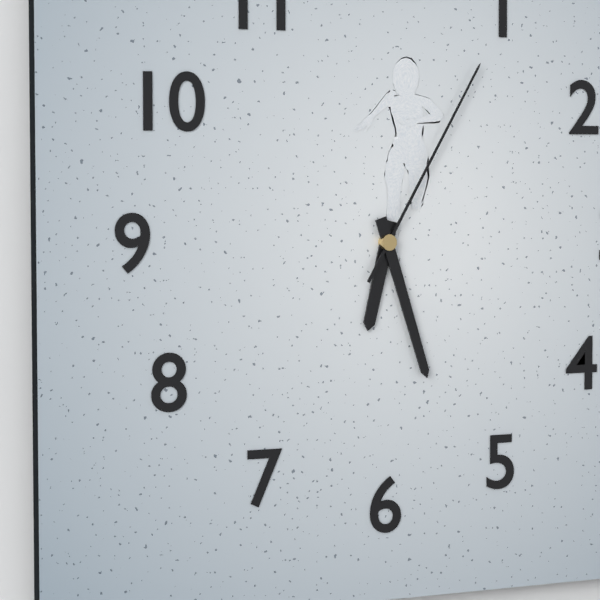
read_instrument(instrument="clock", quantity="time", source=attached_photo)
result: 6:27:05
